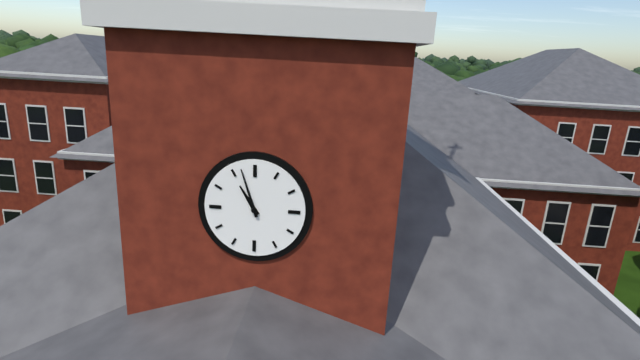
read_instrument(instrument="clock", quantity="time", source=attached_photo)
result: 10:57
